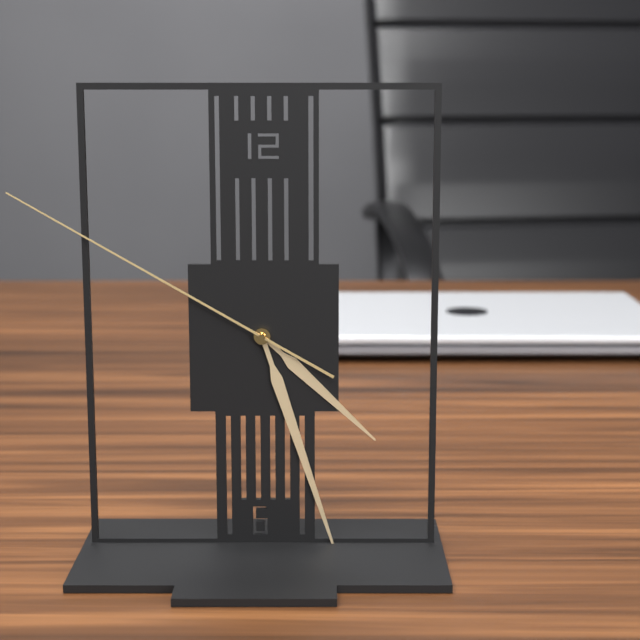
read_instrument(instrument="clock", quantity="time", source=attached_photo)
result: 4:27:50
